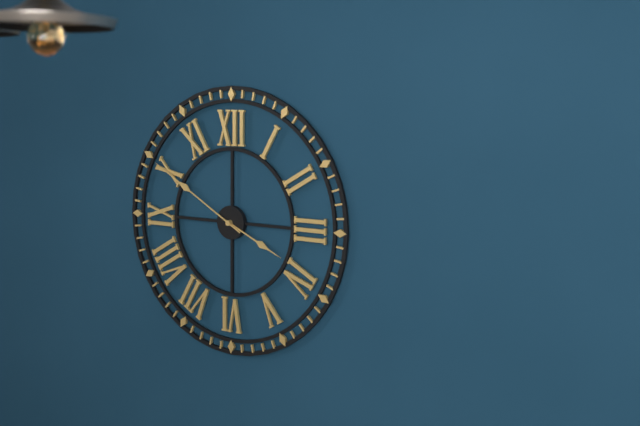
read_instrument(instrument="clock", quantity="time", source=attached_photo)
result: 3:50
